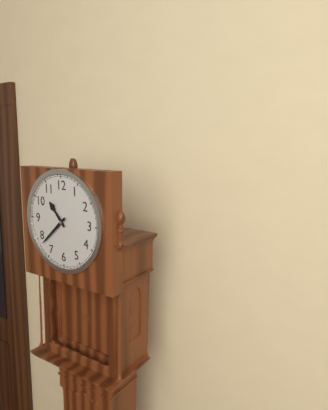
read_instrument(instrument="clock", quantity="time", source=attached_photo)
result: 10:38
